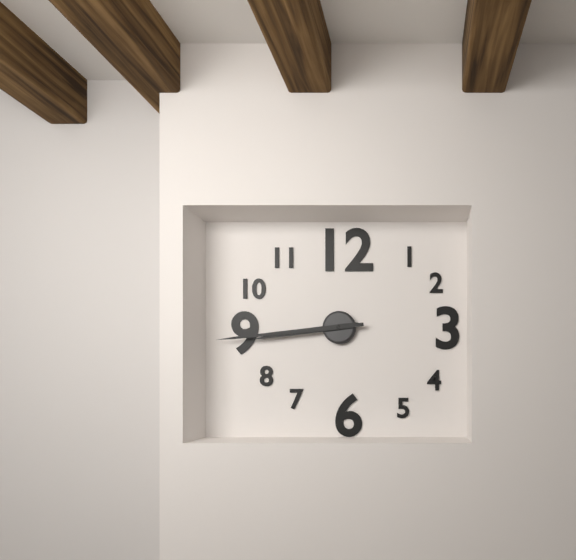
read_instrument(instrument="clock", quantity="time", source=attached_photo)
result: 8:44
